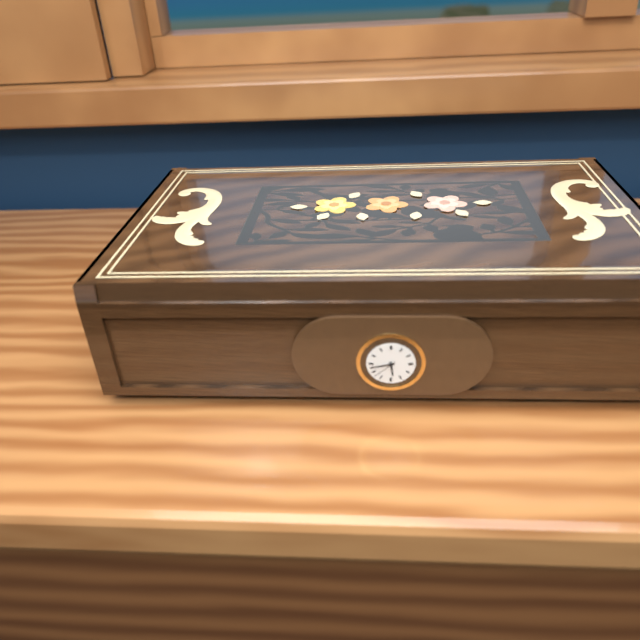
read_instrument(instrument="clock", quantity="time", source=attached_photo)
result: 5:43:38
